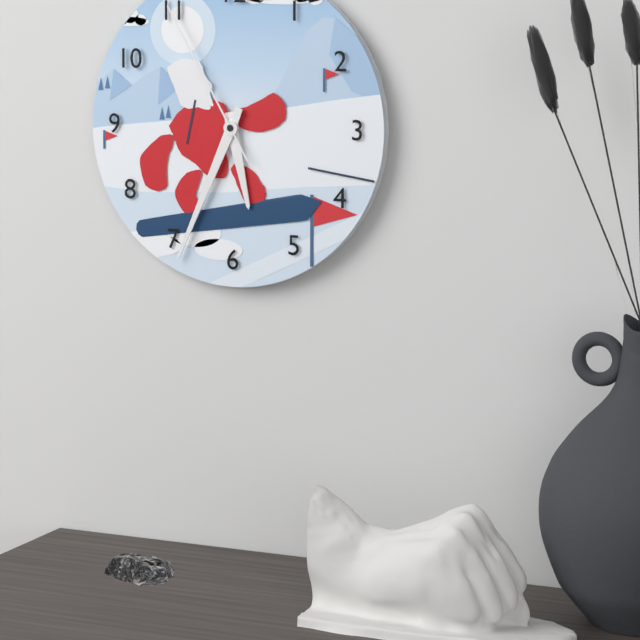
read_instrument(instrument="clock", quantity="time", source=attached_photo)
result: 5:34:55
